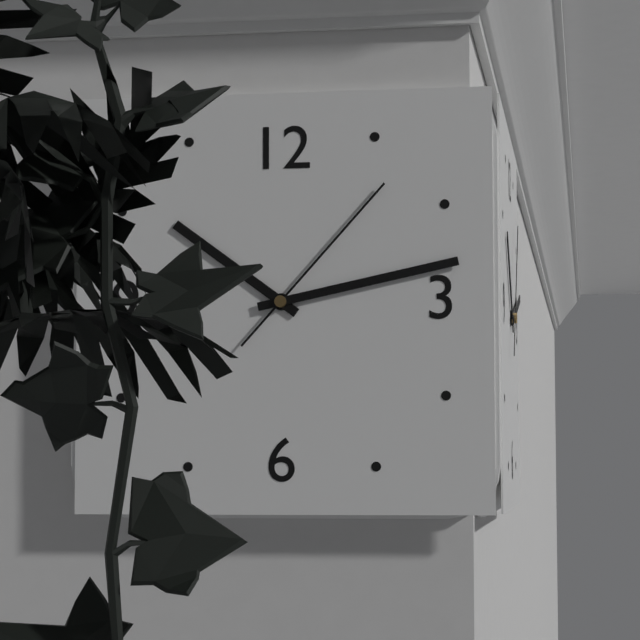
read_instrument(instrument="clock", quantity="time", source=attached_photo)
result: 10:13:07
